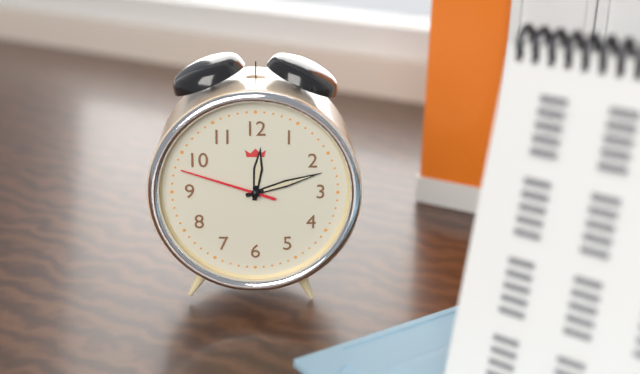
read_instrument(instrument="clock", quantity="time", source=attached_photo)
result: 12:12:48
